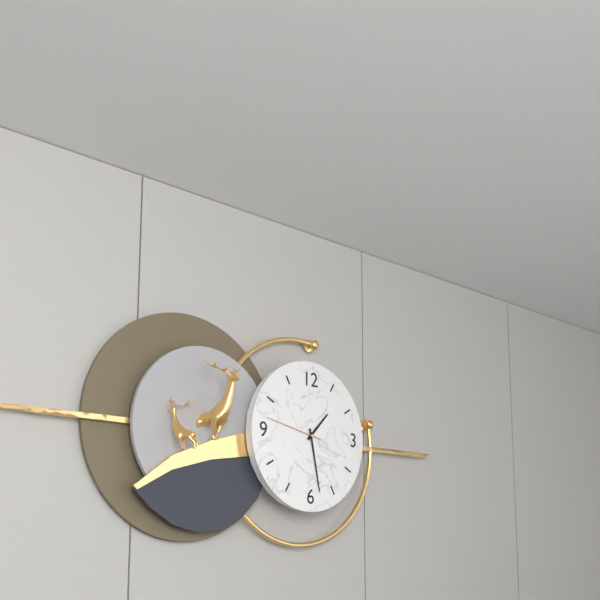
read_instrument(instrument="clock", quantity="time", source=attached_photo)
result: 1:28:47
